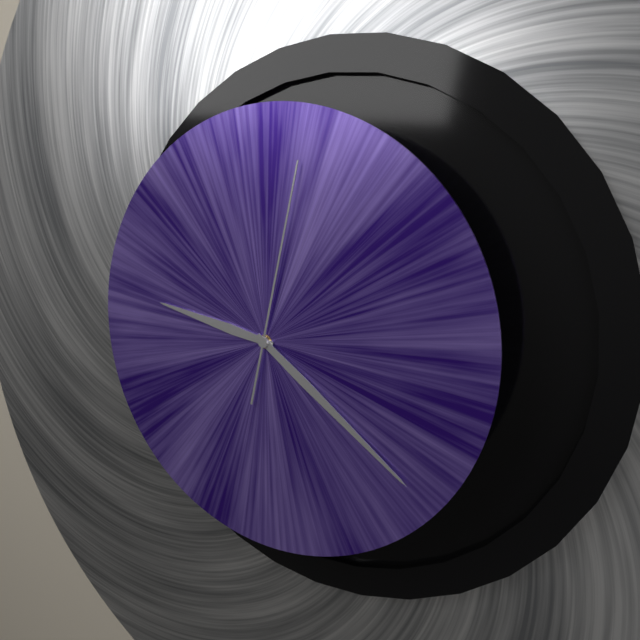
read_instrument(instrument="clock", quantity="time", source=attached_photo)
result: 9:21:02
